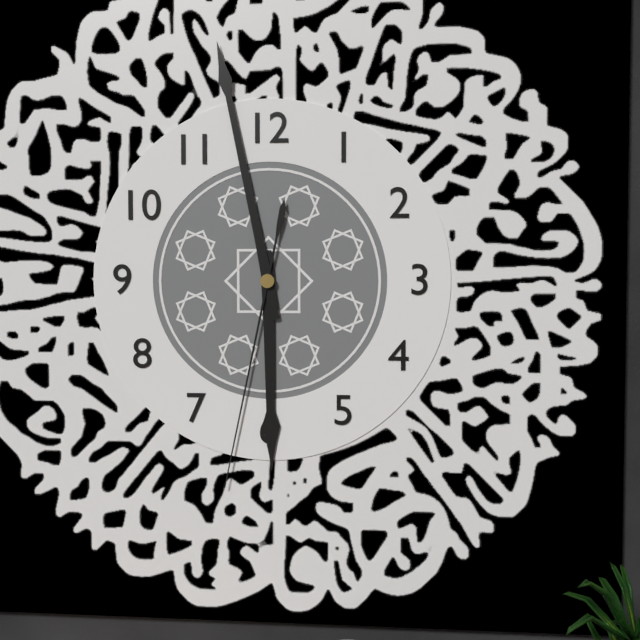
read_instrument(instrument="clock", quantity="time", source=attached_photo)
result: 5:58:32
